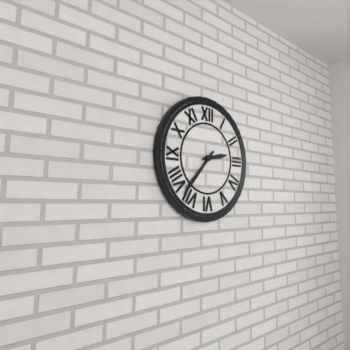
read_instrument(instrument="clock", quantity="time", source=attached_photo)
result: 2:37
